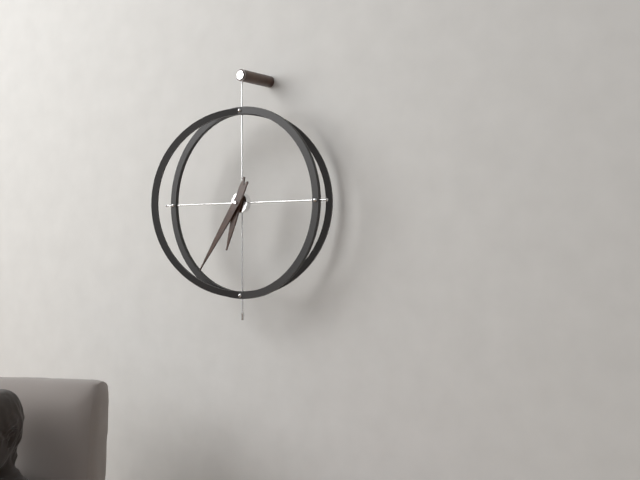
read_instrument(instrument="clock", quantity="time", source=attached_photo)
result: 6:36
